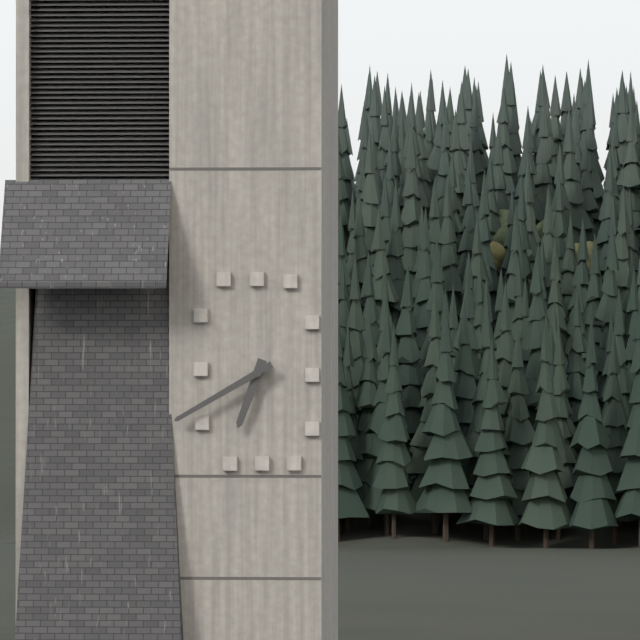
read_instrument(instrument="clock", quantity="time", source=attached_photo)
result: 6:40
